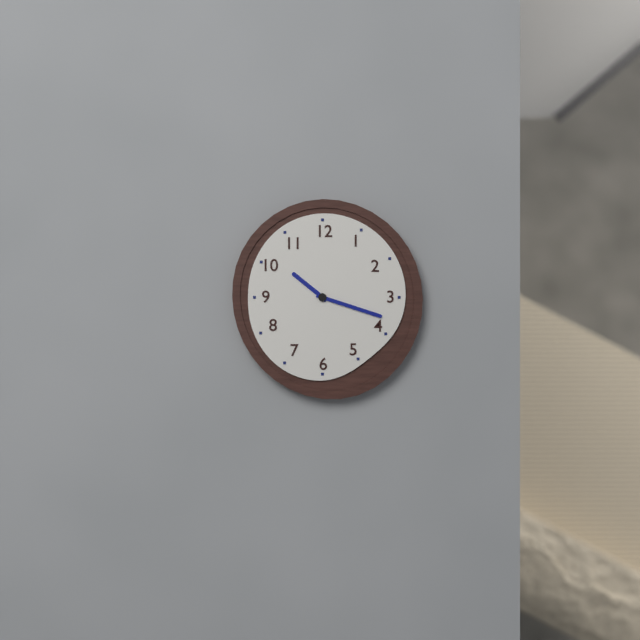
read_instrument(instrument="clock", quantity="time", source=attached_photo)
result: 10:18
